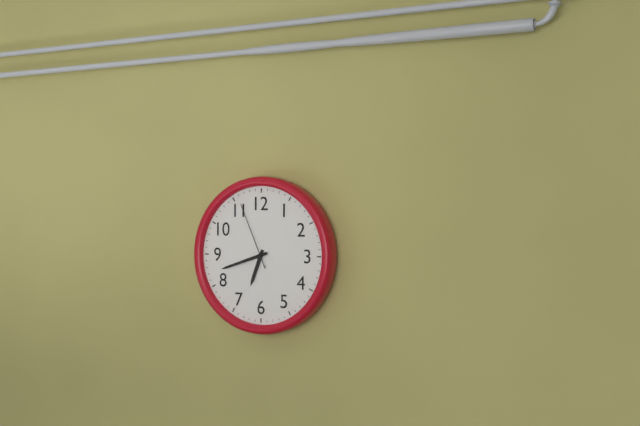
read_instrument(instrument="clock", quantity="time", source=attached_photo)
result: 6:42:56
